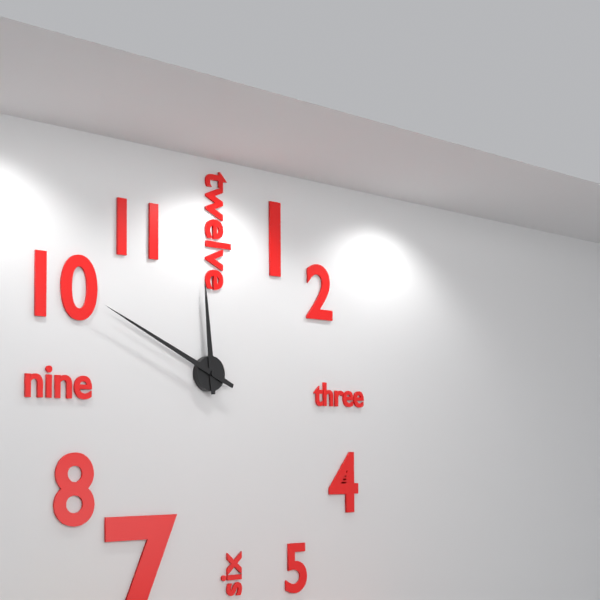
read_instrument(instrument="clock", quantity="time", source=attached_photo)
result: 11:49
